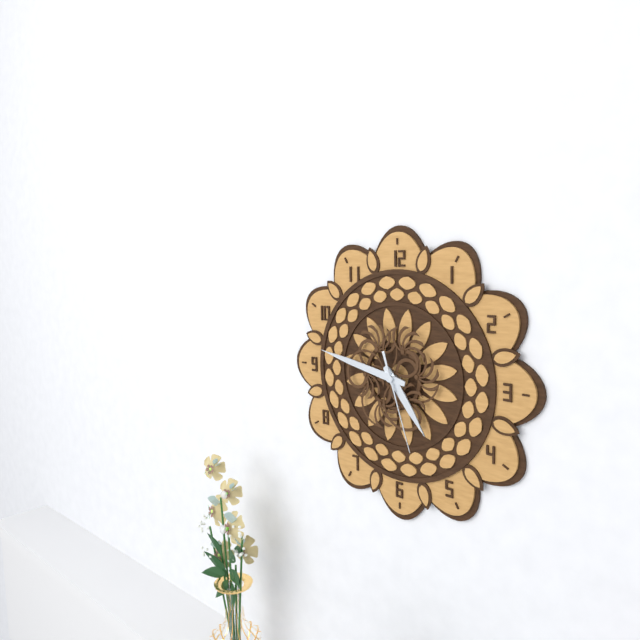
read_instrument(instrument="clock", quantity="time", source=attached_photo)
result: 4:47:27
